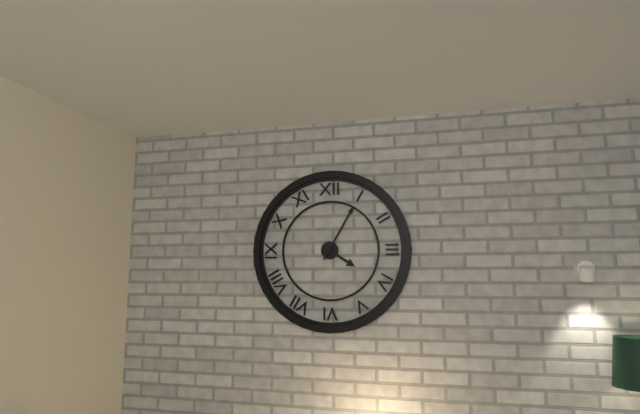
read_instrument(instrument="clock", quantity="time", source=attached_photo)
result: 4:05
